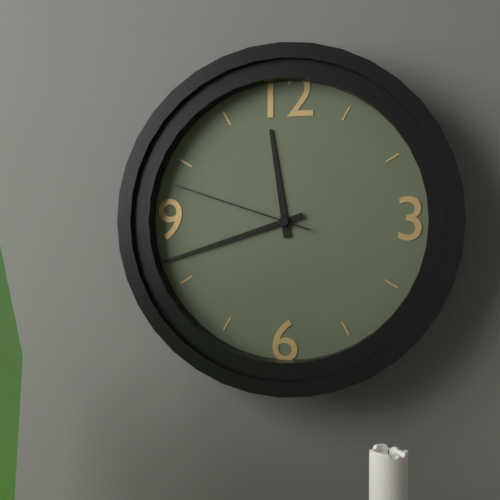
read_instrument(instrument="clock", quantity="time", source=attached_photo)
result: 11:42:48
